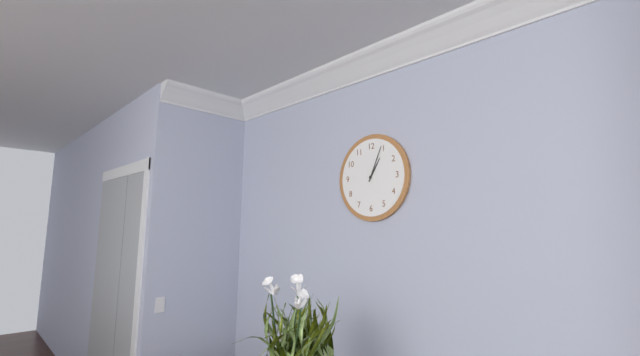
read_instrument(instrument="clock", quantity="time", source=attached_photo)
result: 1:04
